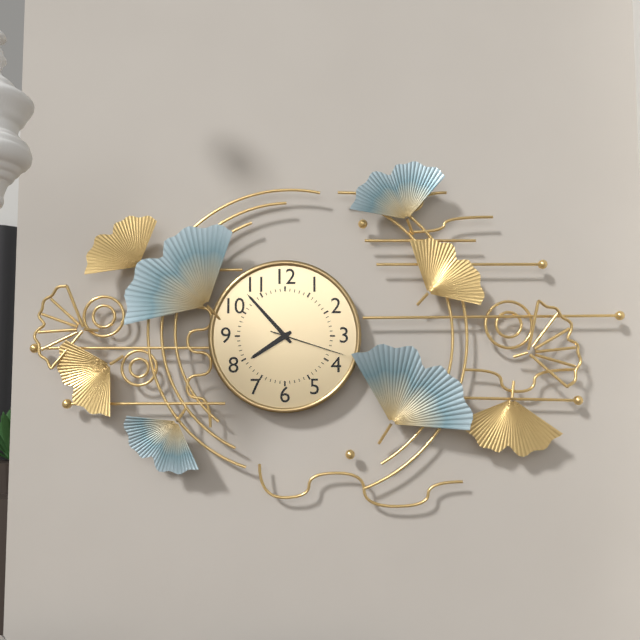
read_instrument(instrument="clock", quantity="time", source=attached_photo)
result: 7:53:18
